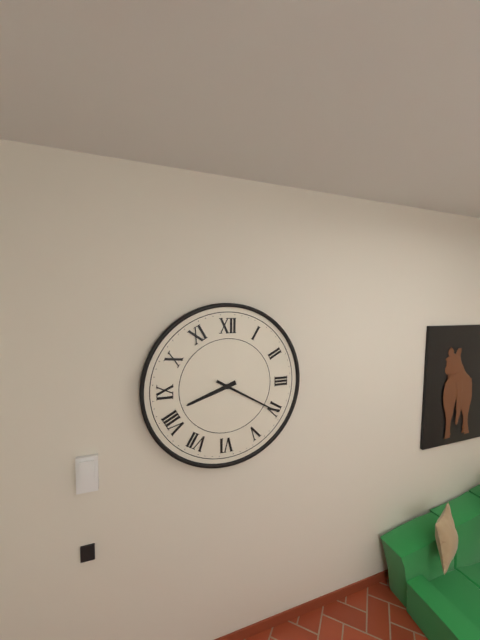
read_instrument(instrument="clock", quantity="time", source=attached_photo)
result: 8:20
